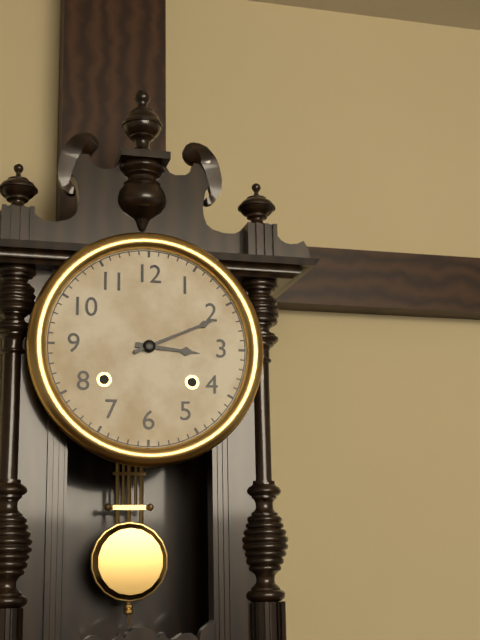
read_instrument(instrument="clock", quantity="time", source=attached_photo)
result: 3:11
